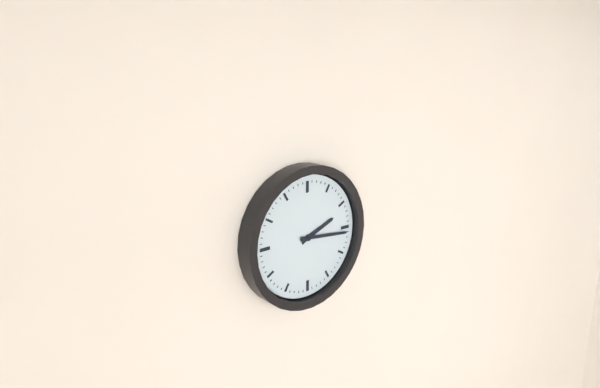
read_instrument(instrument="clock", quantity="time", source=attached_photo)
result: 2:16
